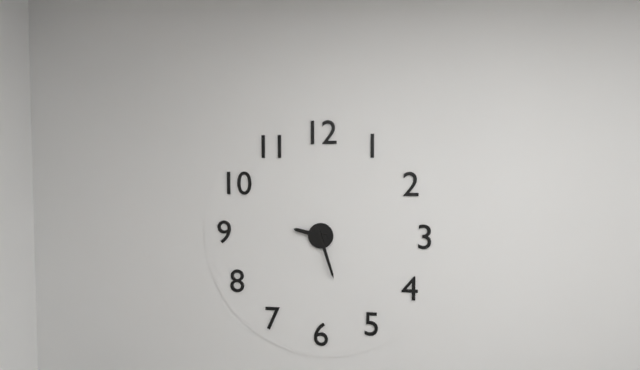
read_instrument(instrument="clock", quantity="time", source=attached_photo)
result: 9:27
